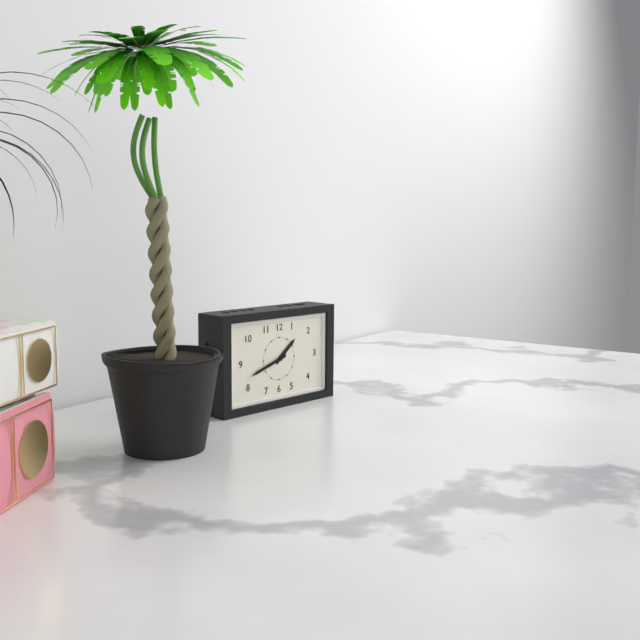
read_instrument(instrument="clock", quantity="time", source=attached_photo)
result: 1:42
